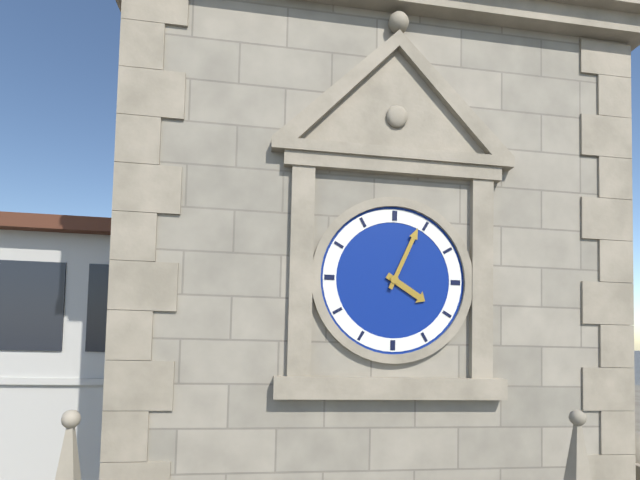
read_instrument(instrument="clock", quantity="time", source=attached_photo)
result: 4:04
